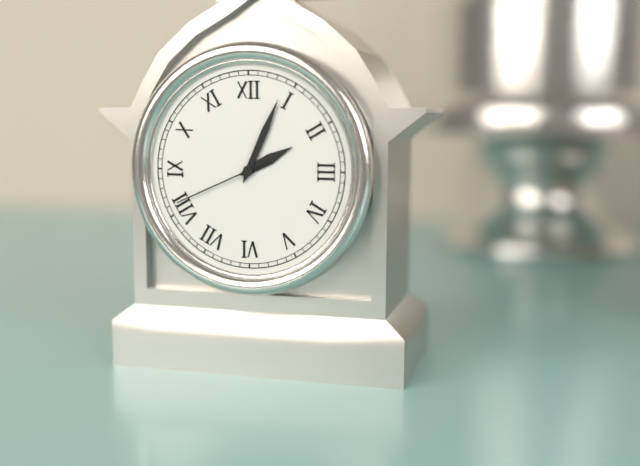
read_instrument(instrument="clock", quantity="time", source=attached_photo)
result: 2:04:41
